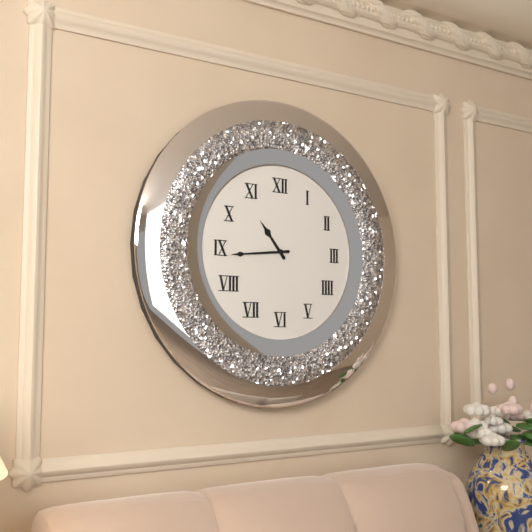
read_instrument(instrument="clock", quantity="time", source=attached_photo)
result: 10:44
